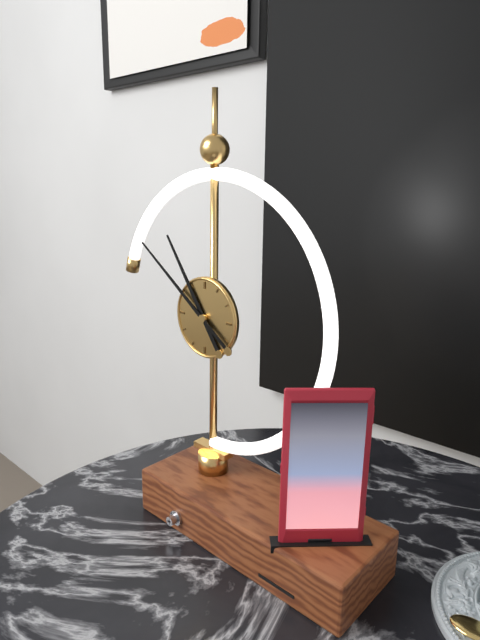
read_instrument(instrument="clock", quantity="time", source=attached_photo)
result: 10:51
